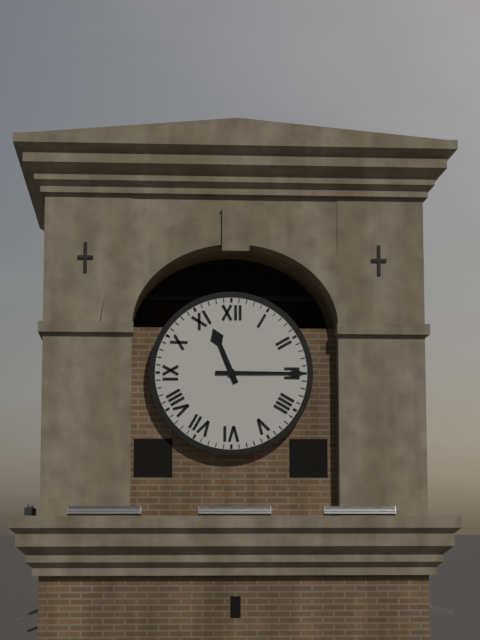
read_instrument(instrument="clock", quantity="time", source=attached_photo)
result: 11:15
